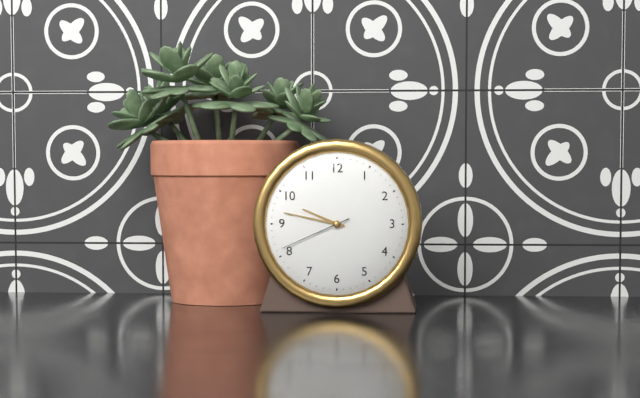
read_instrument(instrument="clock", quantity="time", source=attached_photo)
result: 9:47:41
